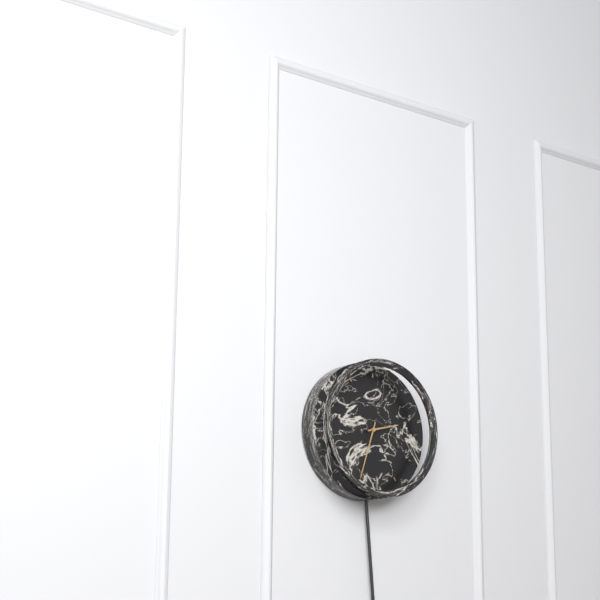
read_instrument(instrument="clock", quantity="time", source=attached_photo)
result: 2:33
